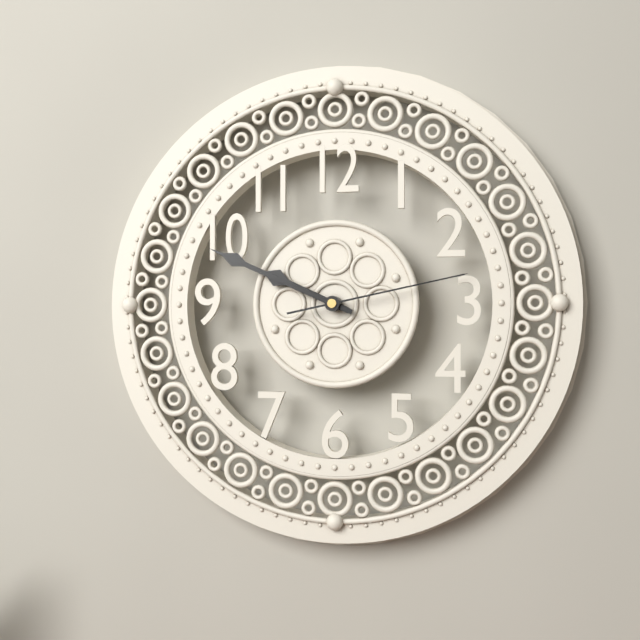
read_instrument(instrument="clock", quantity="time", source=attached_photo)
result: 9:49:13
